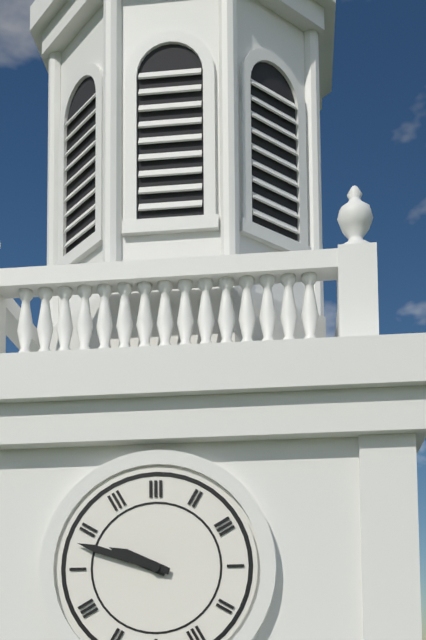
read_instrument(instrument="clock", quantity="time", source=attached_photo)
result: 9:48
